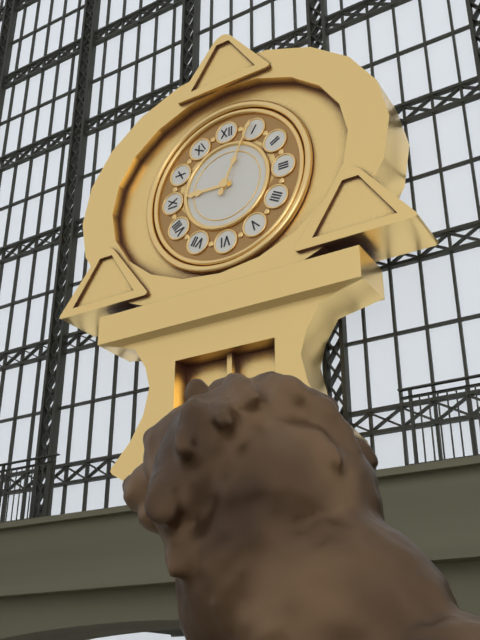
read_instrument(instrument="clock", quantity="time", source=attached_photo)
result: 9:04
